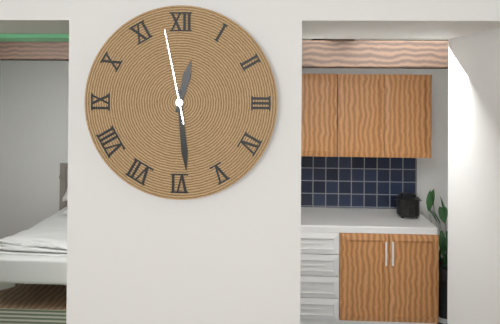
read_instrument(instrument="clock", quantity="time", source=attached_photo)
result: 12:29:58
